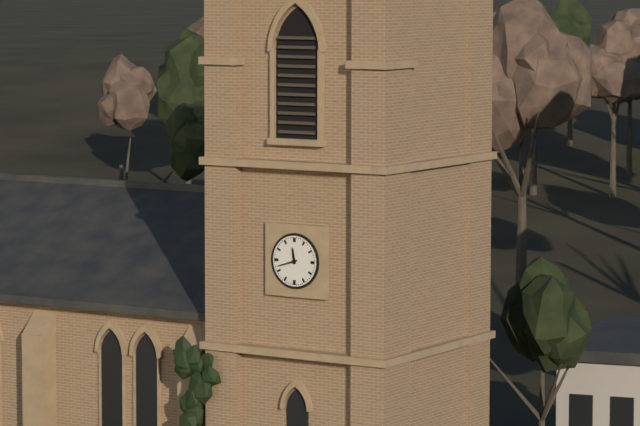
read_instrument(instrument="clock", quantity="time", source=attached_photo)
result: 11:42
